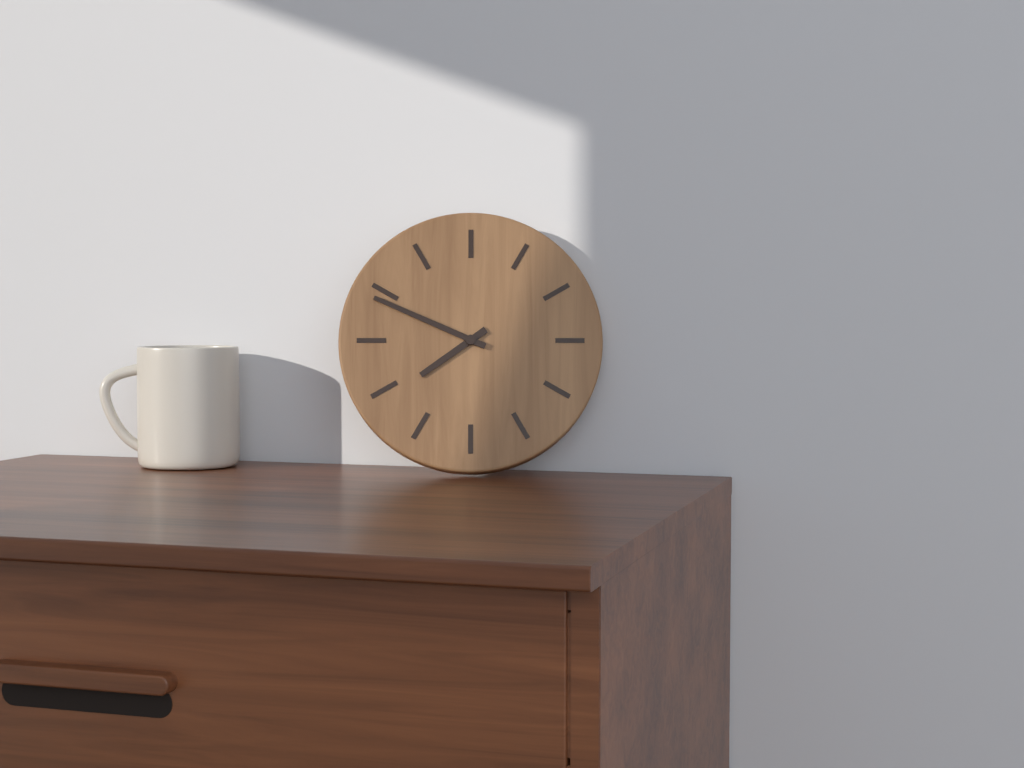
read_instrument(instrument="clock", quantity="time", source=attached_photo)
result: 7:49
